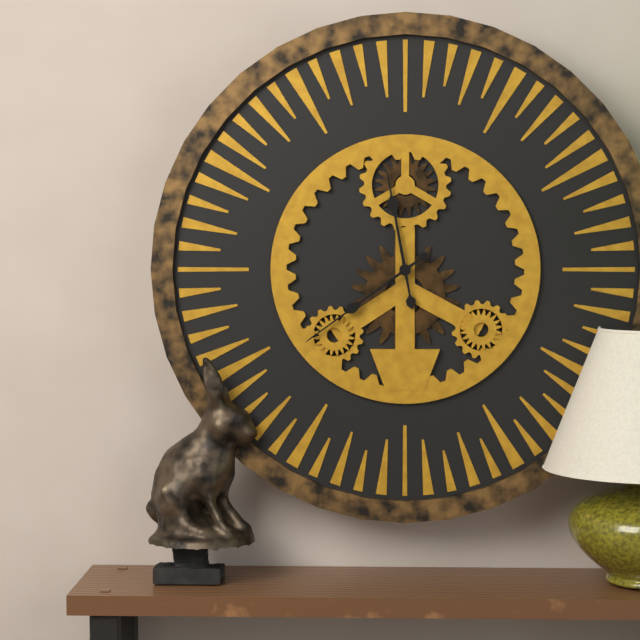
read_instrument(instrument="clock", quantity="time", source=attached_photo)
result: 11:39
